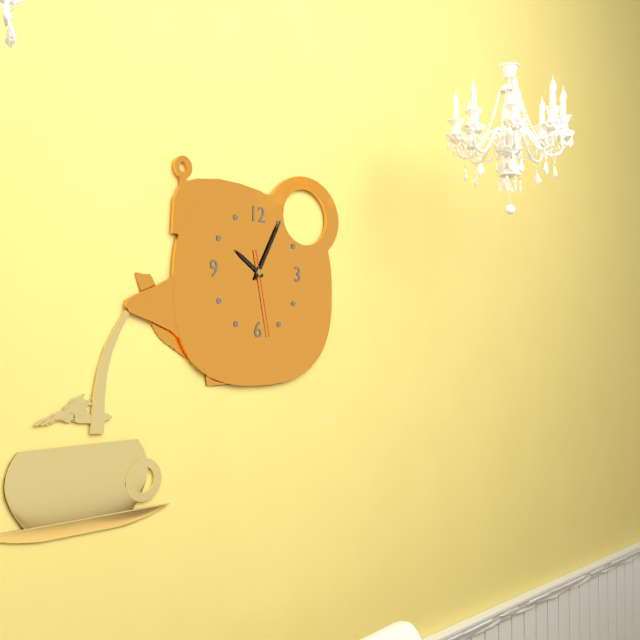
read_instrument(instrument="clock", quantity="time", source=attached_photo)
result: 10:05:28
